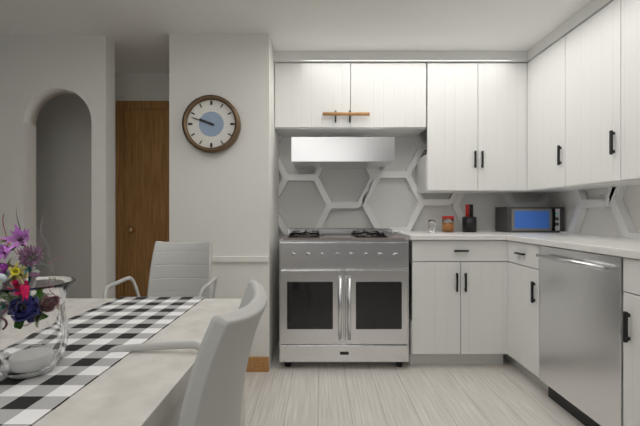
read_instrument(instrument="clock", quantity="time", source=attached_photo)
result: 9:48
